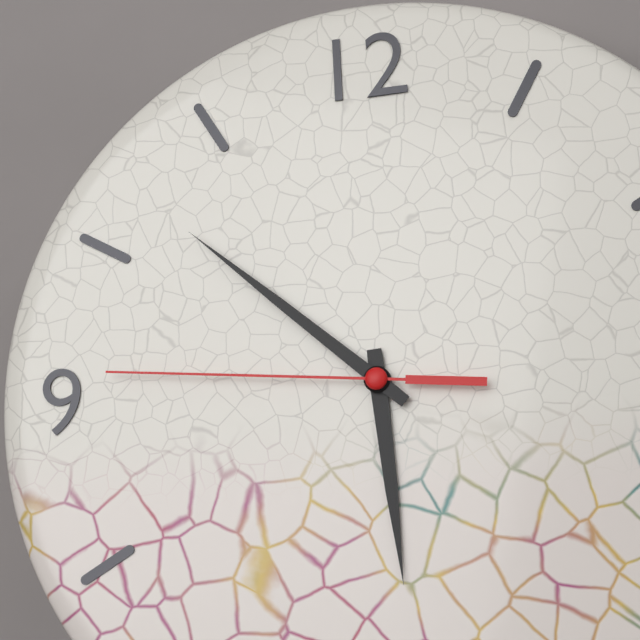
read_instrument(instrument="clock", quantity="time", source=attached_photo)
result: 5:52:46
